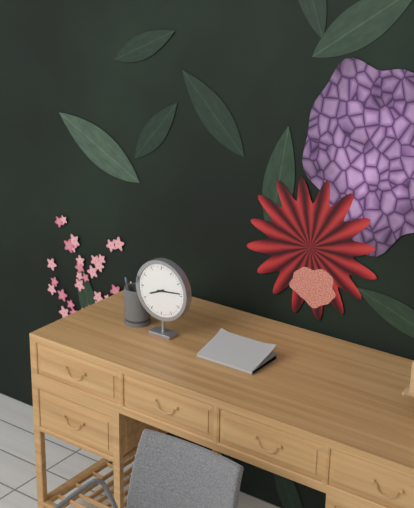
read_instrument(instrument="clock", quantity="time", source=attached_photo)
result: 8:14
